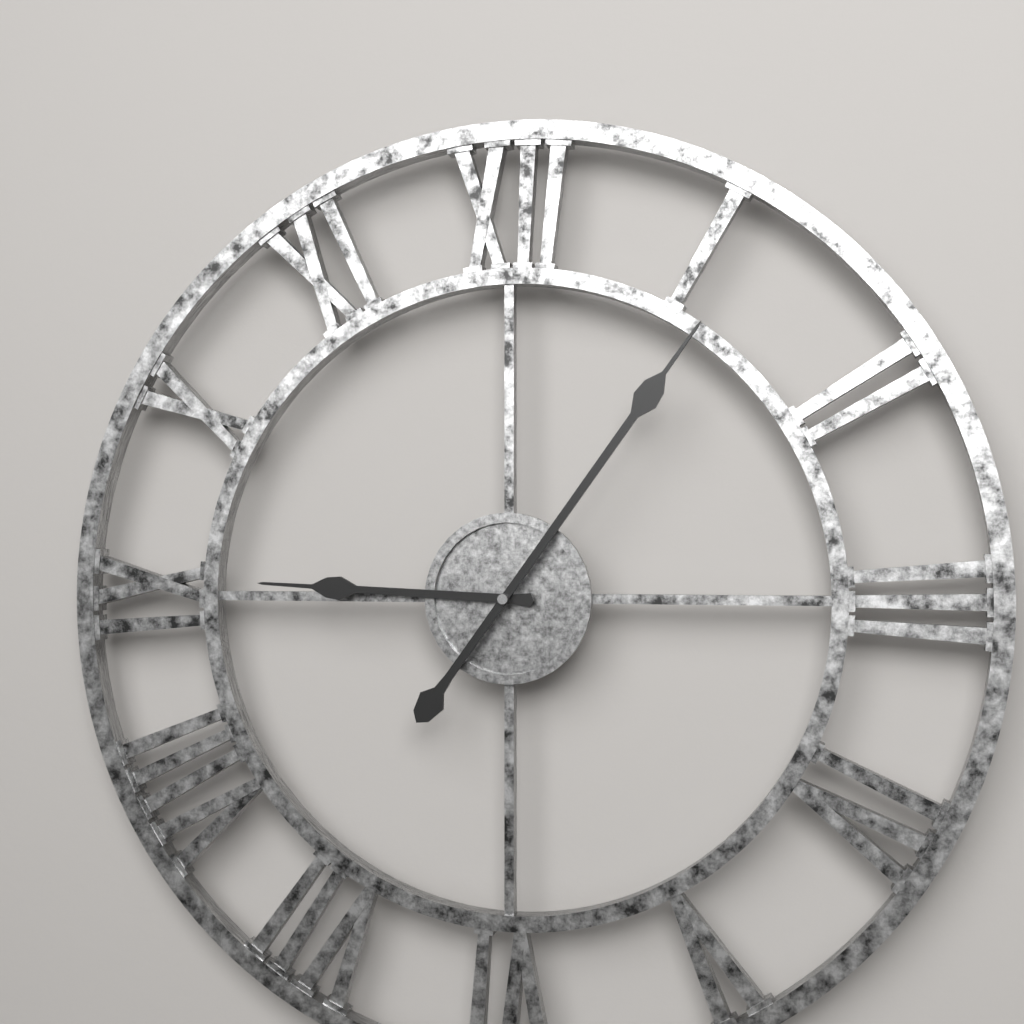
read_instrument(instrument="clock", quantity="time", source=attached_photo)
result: 9:06
